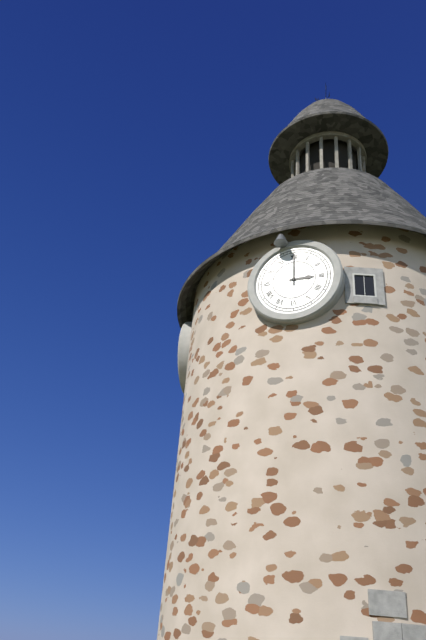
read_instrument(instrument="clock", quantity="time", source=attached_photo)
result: 3:00
